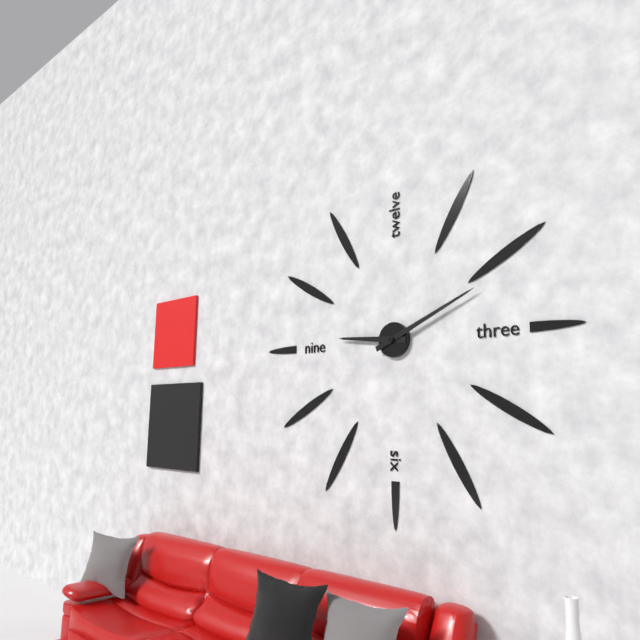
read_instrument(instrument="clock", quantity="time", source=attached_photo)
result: 9:11
